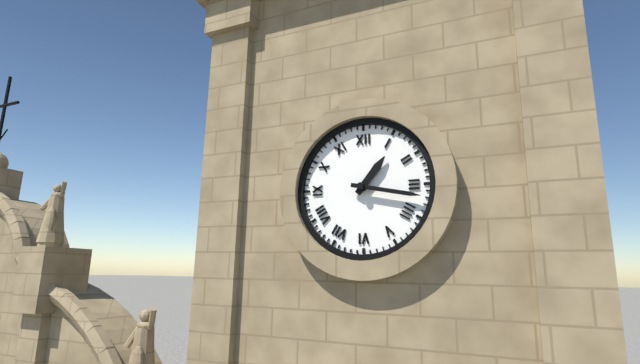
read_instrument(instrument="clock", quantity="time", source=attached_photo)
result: 1:17
